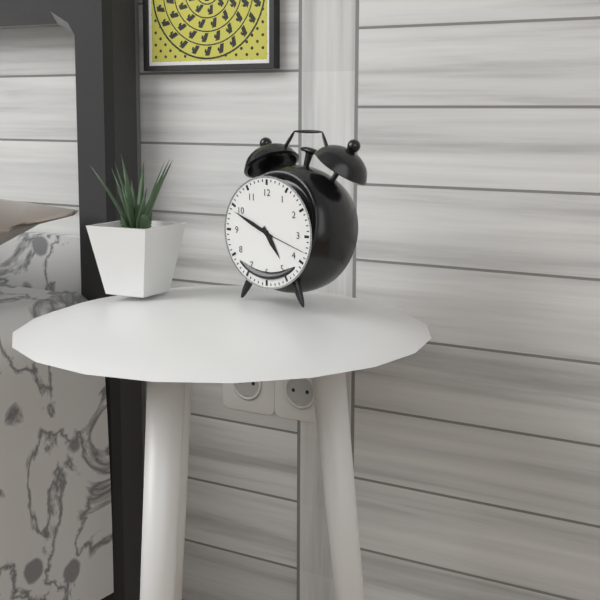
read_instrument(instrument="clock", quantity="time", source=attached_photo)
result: 4:49:18
